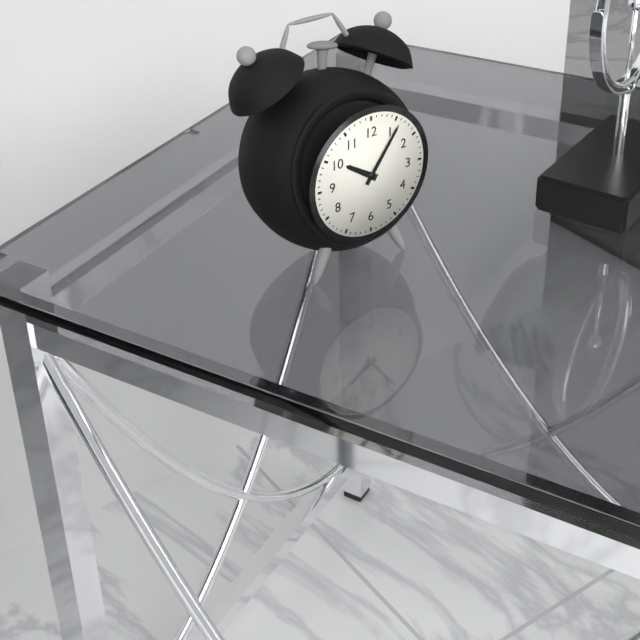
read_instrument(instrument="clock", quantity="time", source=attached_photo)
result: 10:06
